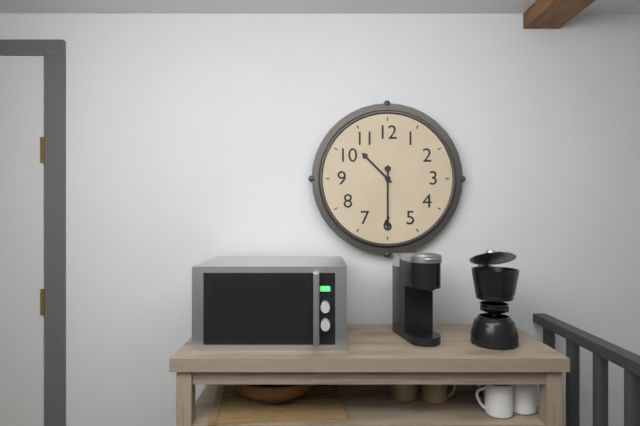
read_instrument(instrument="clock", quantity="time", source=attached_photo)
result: 10:30
